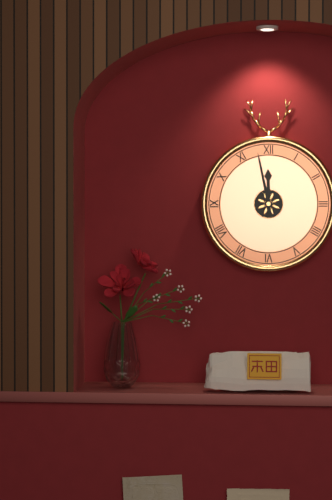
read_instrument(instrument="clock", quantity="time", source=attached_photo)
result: 11:58
